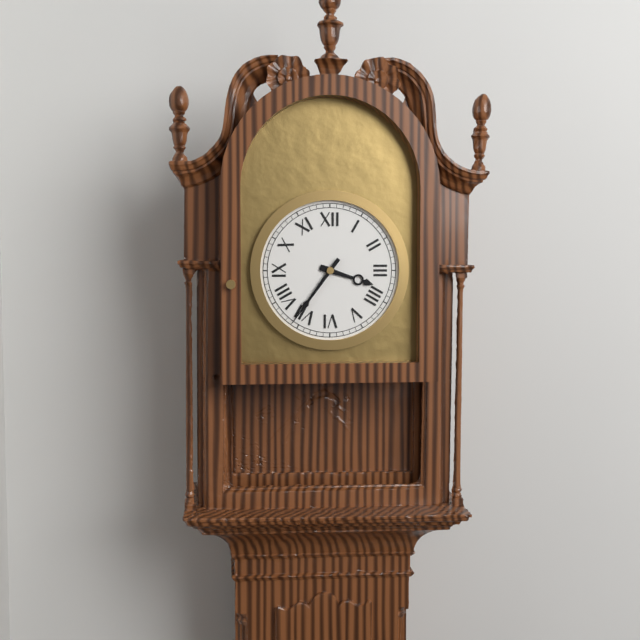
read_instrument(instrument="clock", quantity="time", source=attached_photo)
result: 3:36
